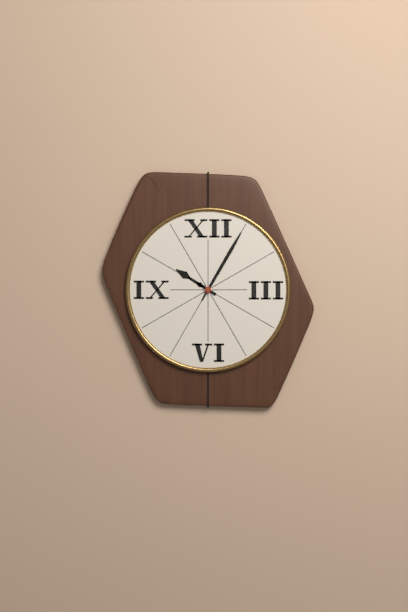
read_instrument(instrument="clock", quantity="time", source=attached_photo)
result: 10:05
